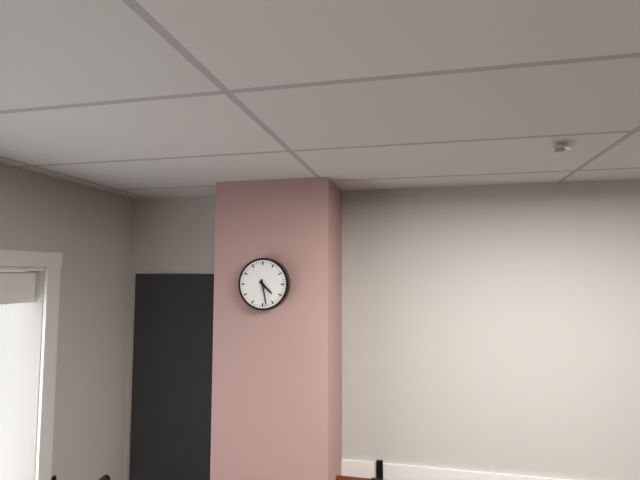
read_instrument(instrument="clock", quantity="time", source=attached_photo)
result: 4:28
